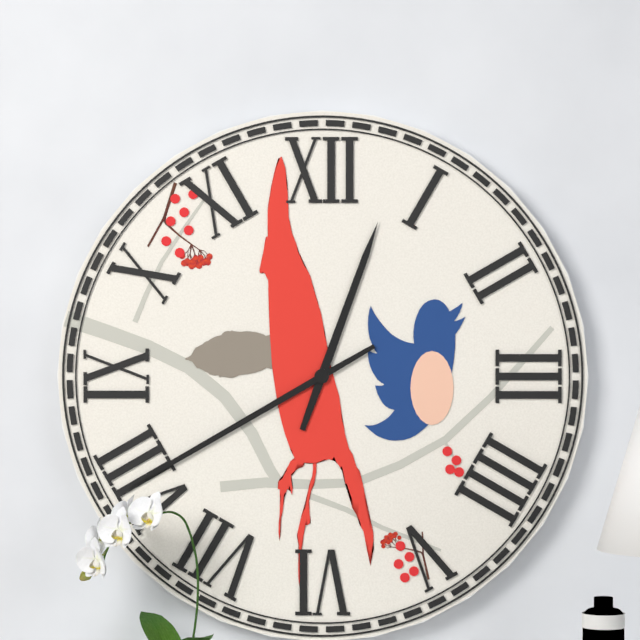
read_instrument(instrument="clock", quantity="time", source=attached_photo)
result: 12:40
